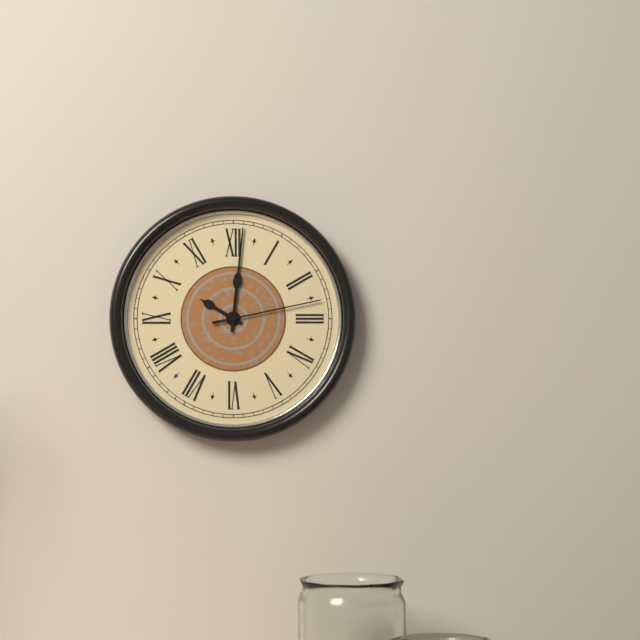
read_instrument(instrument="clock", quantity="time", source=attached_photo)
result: 10:01:13
